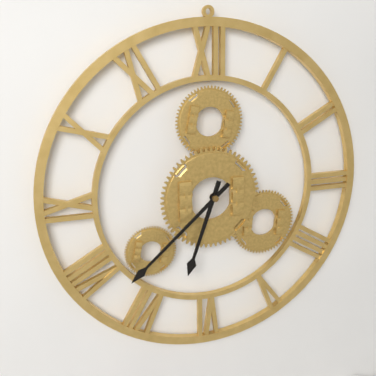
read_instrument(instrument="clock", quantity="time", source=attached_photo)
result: 6:38
